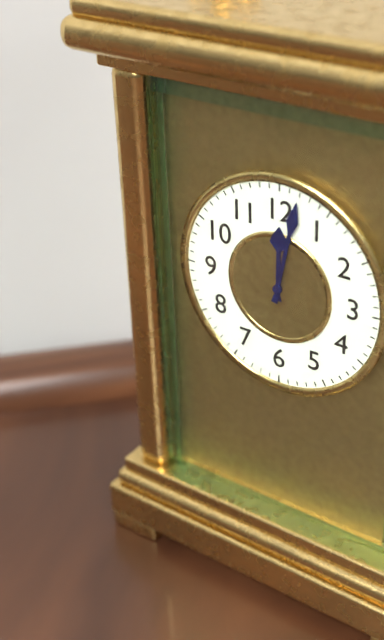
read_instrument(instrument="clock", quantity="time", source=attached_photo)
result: 12:02
